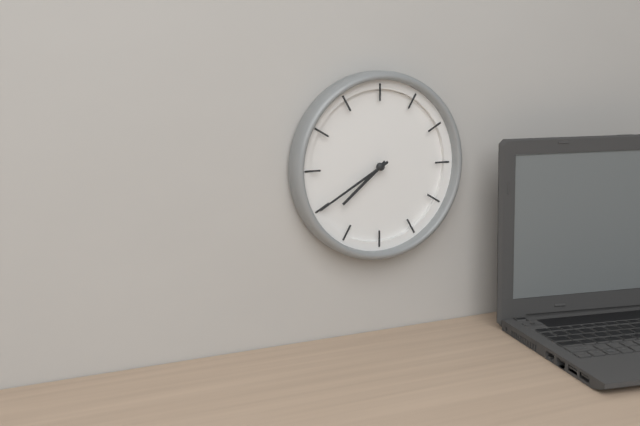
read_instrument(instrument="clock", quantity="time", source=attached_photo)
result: 7:40
